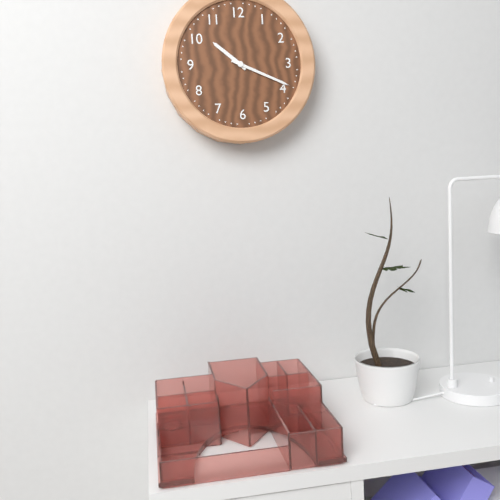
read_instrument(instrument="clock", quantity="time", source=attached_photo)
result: 10:19
